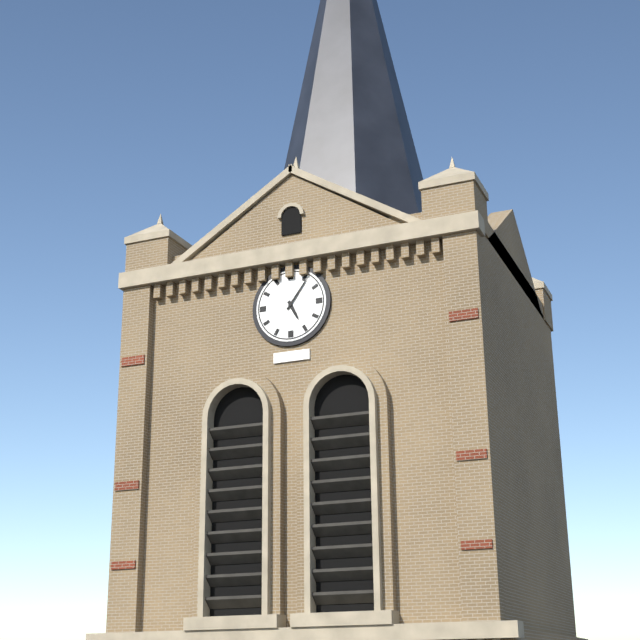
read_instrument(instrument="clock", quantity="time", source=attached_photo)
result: 5:06
